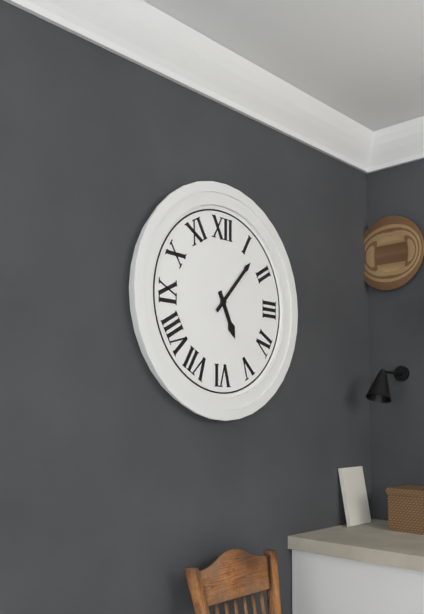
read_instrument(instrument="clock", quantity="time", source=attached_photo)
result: 5:07
